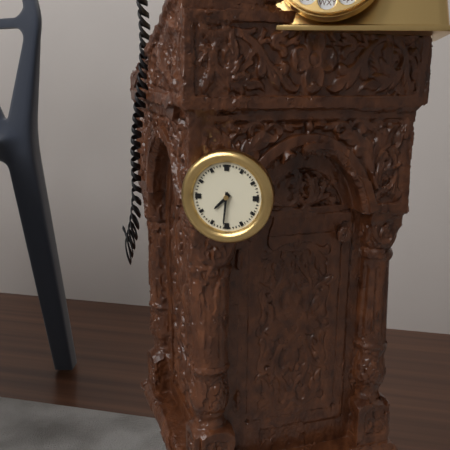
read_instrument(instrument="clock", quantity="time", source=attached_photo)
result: 7:31
